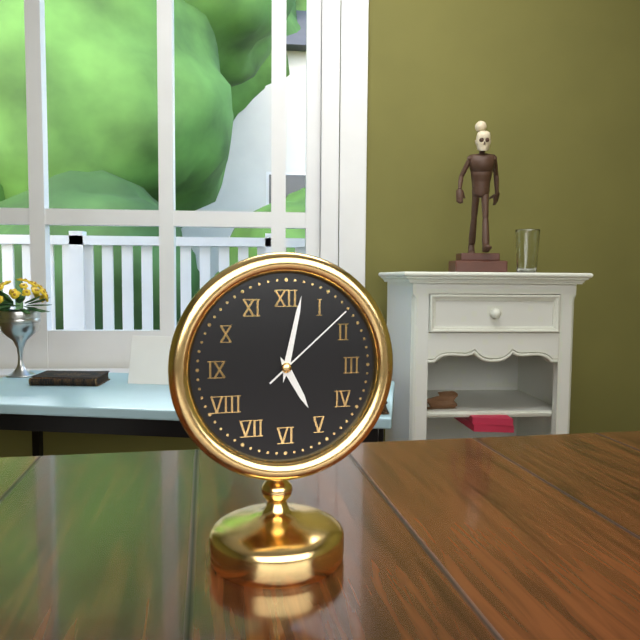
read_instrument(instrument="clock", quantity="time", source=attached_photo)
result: 5:02:08
